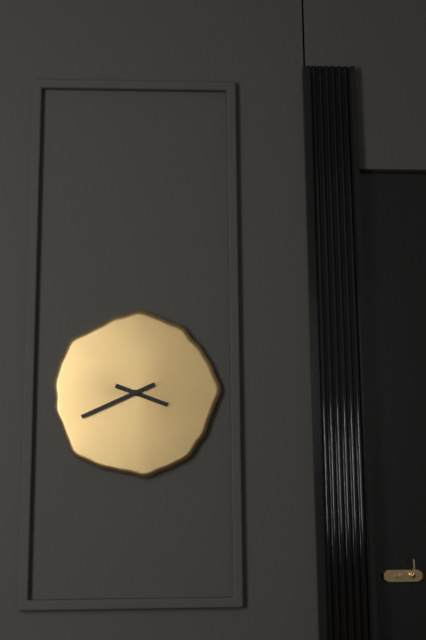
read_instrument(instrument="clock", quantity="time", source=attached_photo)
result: 3:41
